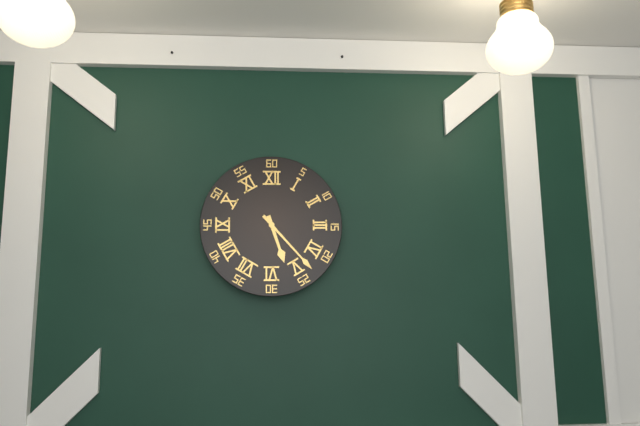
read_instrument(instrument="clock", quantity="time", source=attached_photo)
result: 5:23
